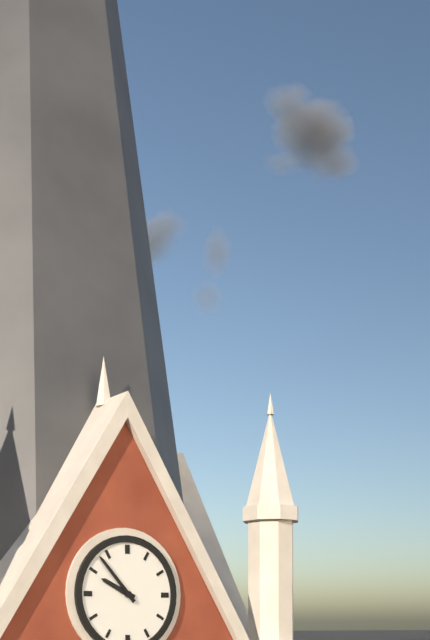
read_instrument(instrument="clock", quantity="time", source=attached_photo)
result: 9:53
